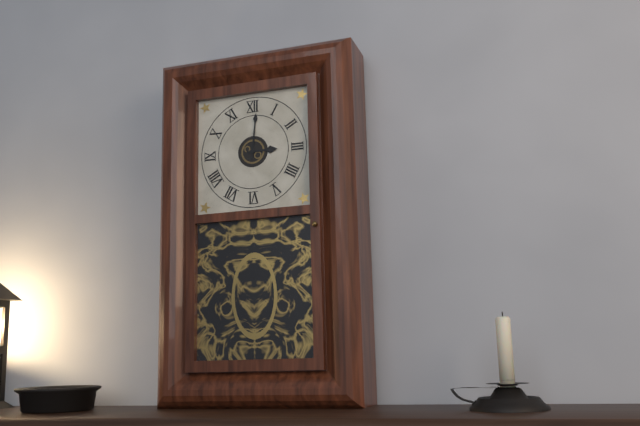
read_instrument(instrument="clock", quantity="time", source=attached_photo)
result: 3:01
